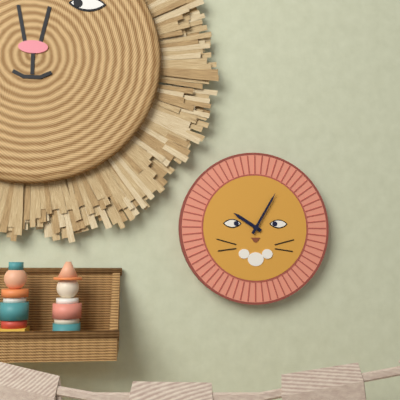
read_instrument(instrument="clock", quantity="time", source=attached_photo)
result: 10:05
